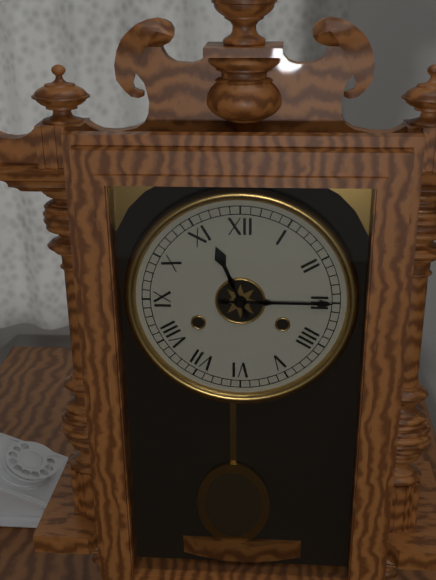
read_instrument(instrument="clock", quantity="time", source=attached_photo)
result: 11:15
